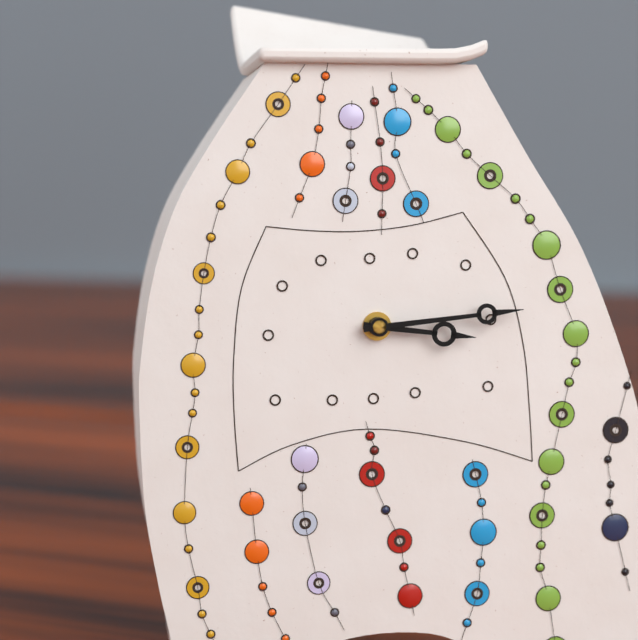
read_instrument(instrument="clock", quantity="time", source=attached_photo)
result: 3:14
